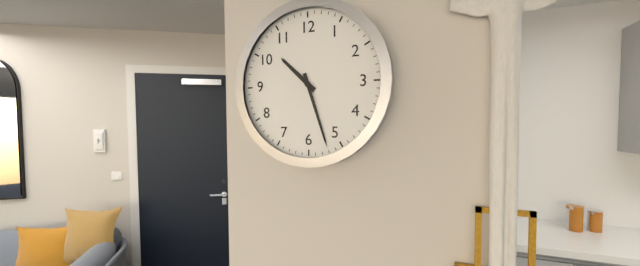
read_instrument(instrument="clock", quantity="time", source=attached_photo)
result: 10:27
